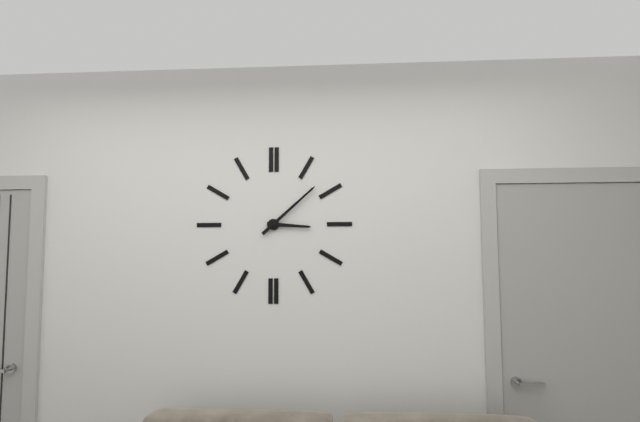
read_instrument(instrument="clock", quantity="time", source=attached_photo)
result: 3:08
